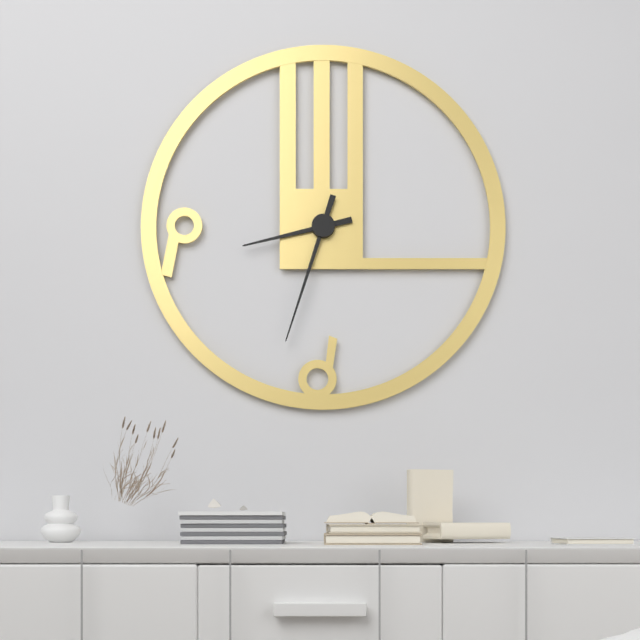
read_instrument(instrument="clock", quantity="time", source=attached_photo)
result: 8:33
